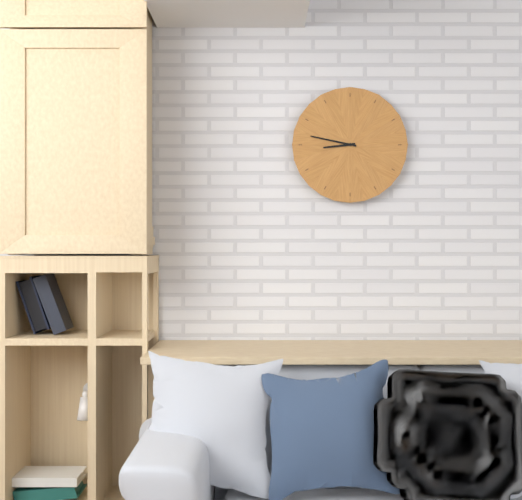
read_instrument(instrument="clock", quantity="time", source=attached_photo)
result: 8:47
